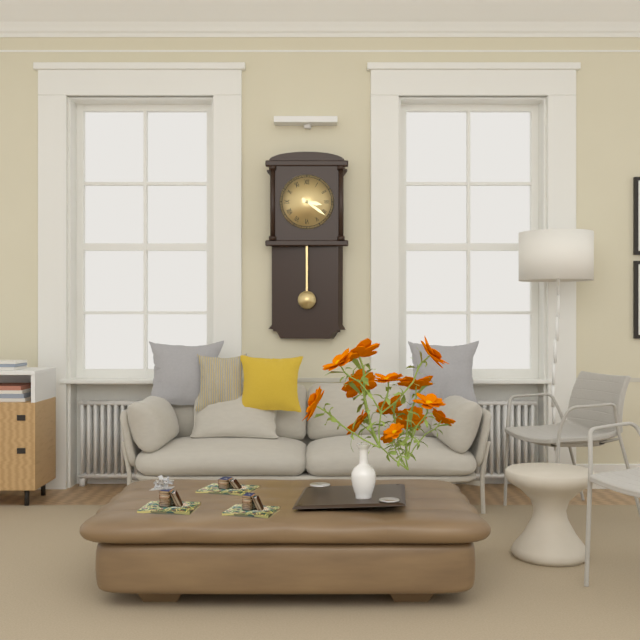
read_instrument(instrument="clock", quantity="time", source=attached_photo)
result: 3:21
